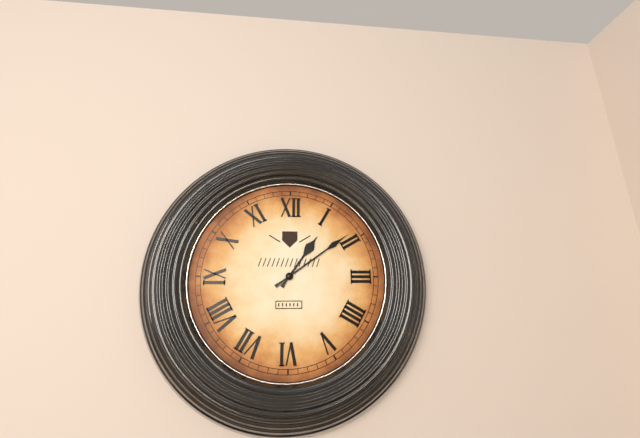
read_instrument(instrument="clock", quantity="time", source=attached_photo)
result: 1:09
